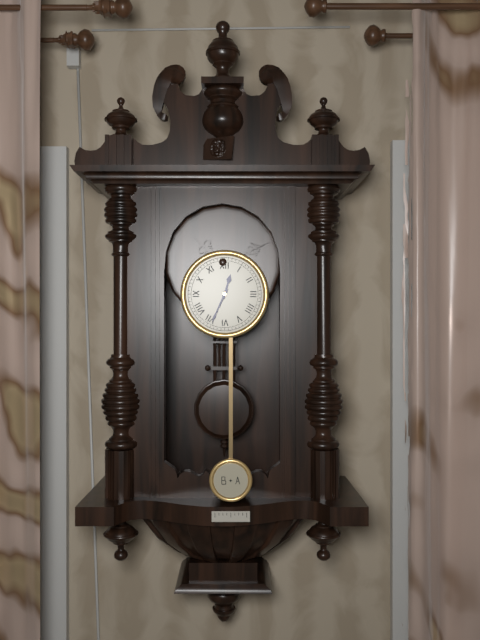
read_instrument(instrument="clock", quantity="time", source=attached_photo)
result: 12:34
